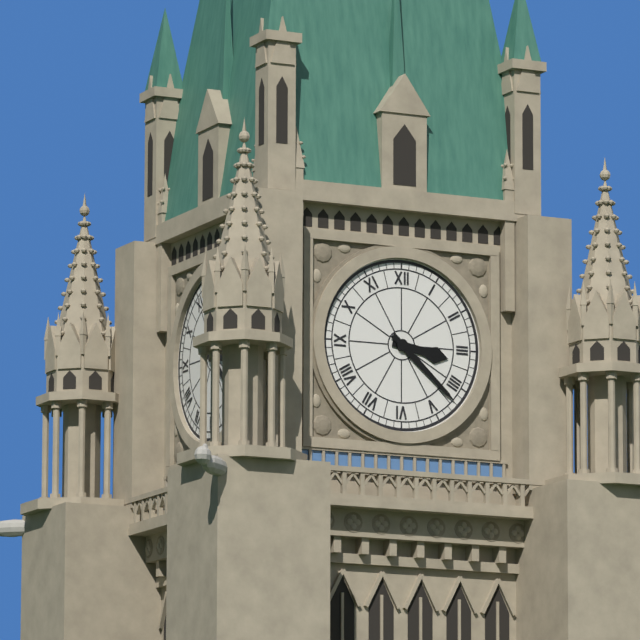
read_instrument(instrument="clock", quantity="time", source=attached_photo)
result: 3:22
